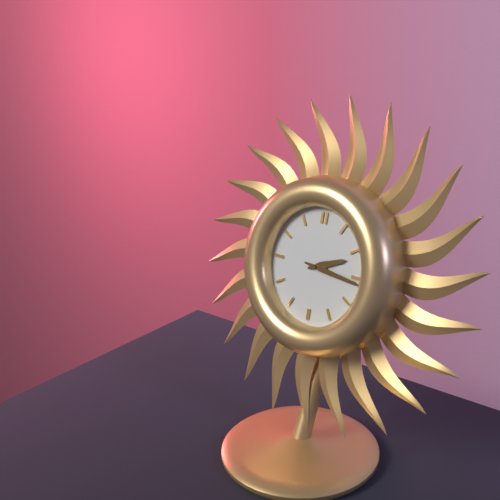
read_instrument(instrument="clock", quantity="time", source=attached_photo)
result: 2:16
